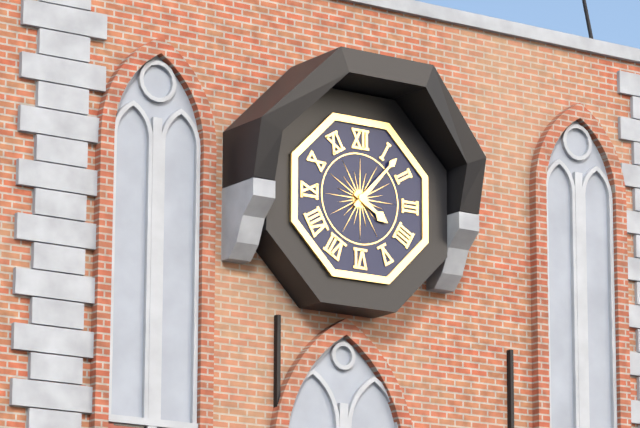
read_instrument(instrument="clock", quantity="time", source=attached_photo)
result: 4:07
